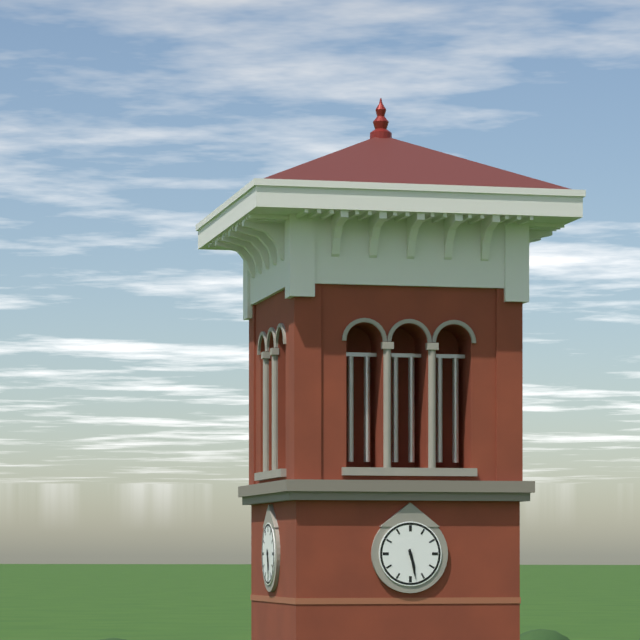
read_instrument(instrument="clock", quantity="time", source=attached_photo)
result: 5:28
